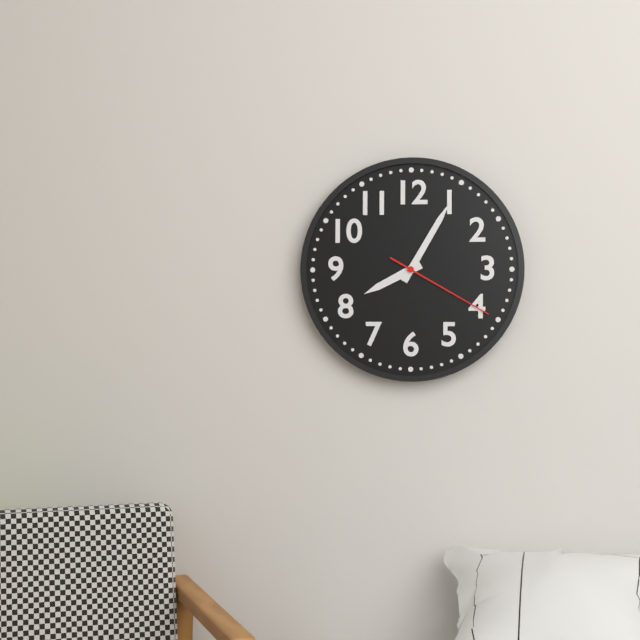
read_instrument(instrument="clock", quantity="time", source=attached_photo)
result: 8:05:20
